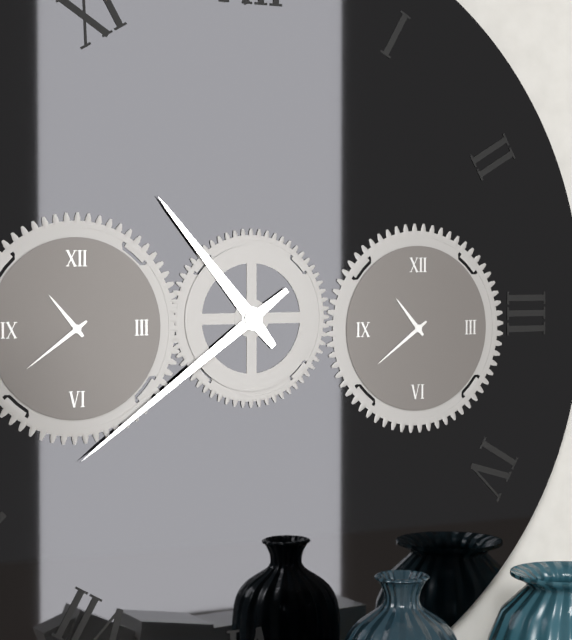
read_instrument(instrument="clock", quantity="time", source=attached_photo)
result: 10:39
